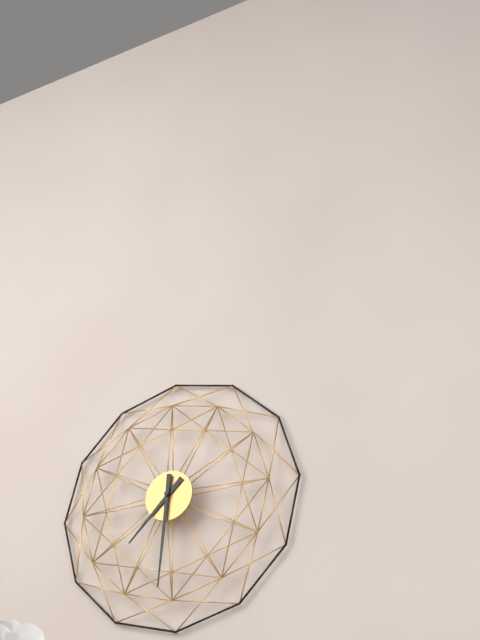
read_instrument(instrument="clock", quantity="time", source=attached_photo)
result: 7:31
